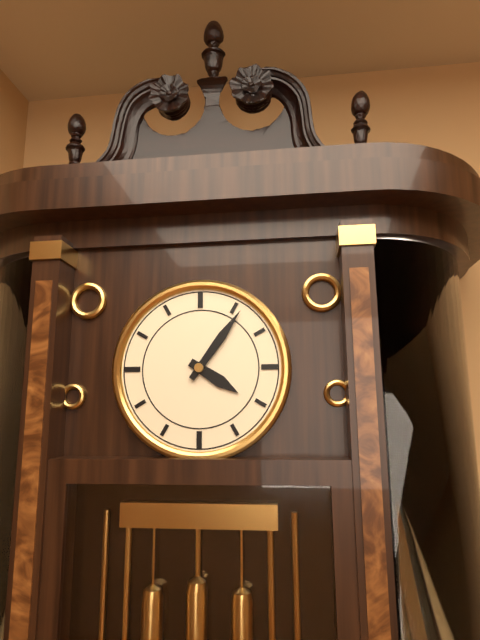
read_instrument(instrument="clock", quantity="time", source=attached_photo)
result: 4:06
